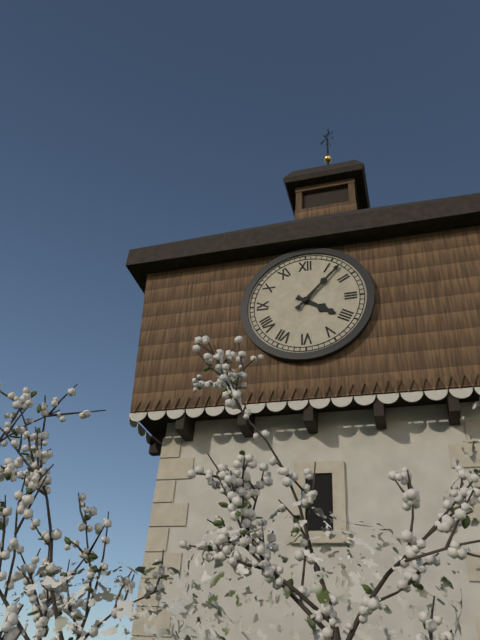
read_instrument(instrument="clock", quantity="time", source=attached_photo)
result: 4:07
